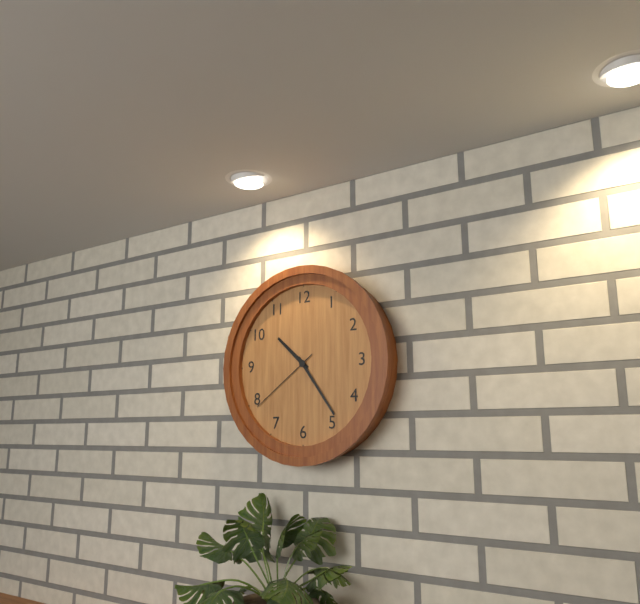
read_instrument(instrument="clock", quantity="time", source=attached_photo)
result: 10:24:39
